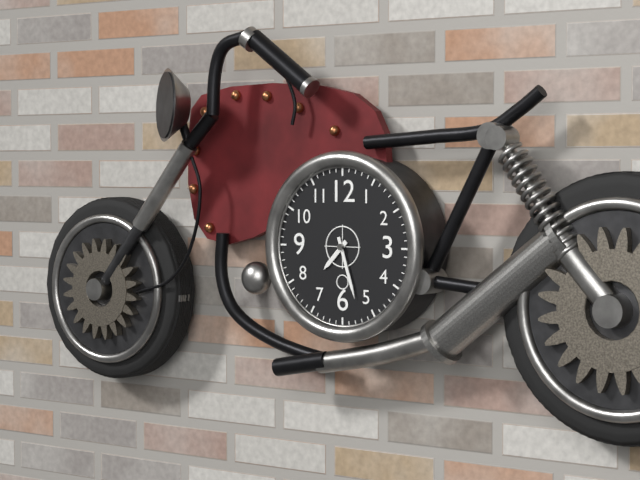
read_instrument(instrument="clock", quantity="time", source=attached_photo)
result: 7:27
